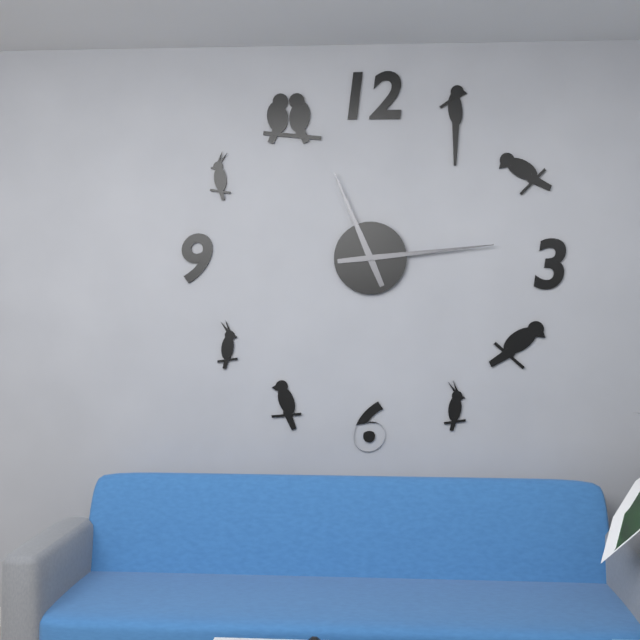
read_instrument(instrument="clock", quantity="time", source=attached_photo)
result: 11:14
